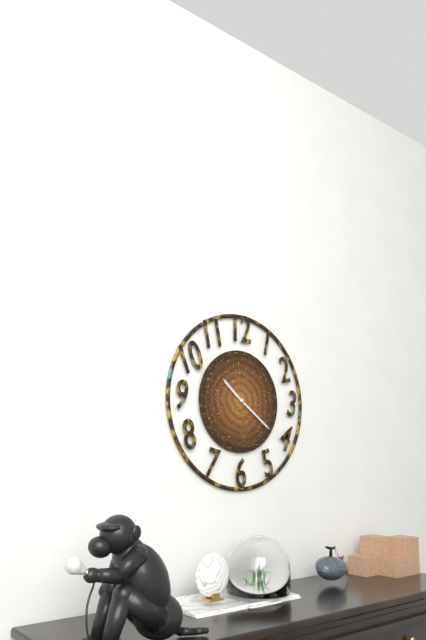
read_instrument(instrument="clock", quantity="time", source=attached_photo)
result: 10:21
